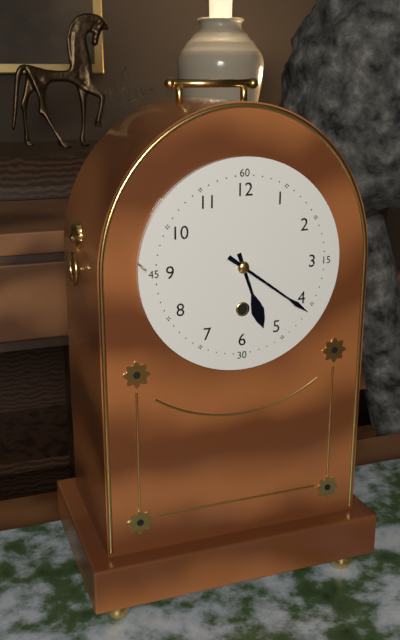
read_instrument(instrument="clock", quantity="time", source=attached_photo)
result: 5:21
